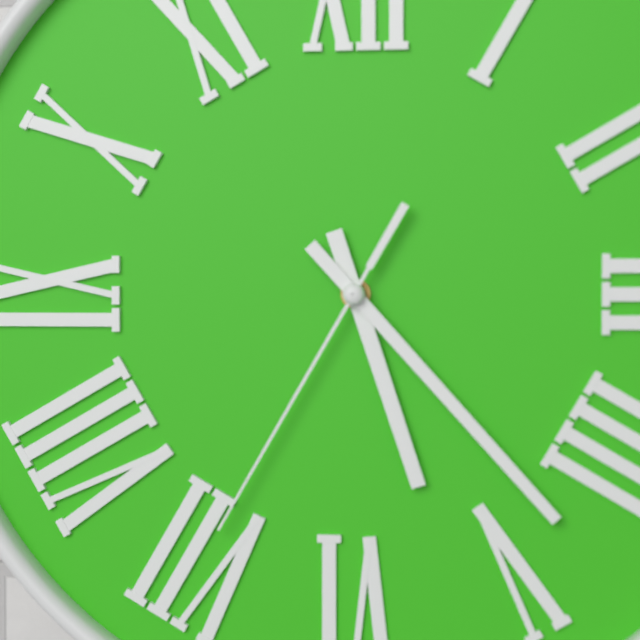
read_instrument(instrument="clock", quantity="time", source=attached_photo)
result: 5:23:35
